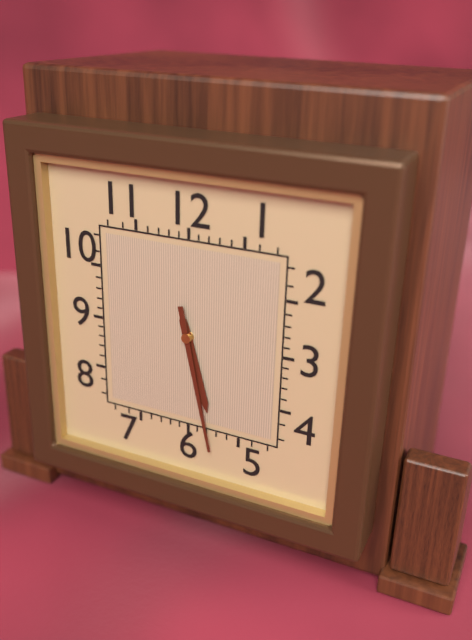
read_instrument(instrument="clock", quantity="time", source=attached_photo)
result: 5:28
